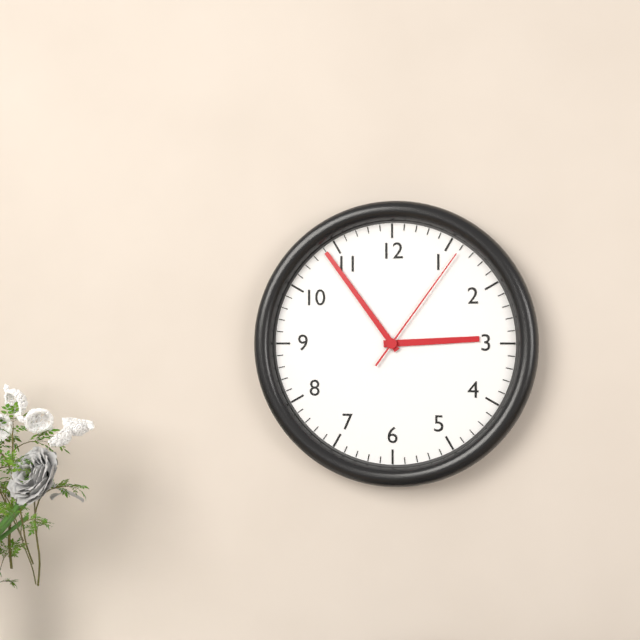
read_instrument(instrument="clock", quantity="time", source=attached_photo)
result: 2:54:06
